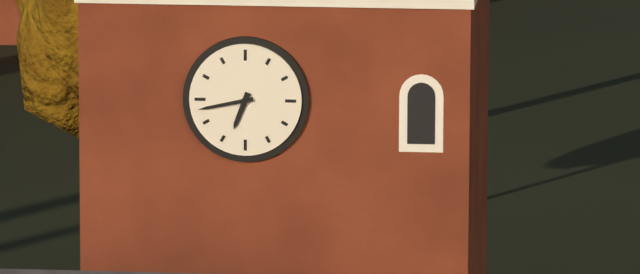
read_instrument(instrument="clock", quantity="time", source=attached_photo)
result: 6:43
